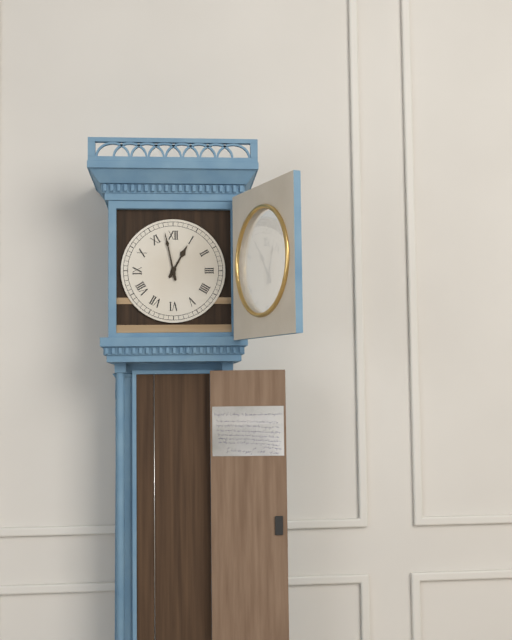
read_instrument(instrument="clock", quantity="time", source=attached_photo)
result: 12:58
